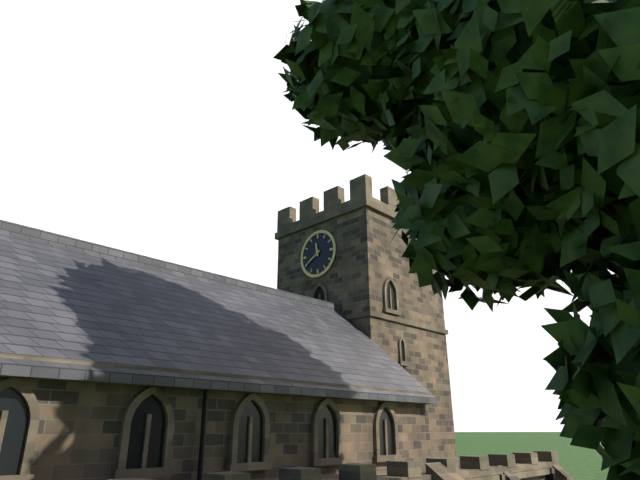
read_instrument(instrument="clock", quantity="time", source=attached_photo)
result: 11:40
